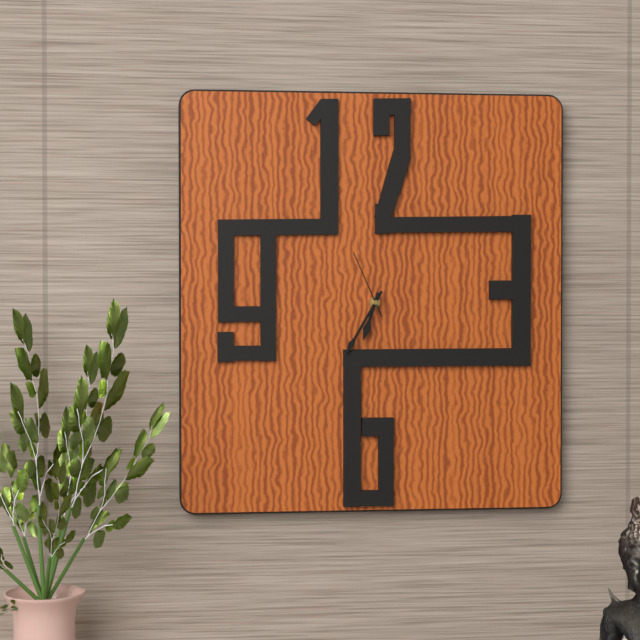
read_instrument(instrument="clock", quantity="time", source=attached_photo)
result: 6:35:56
